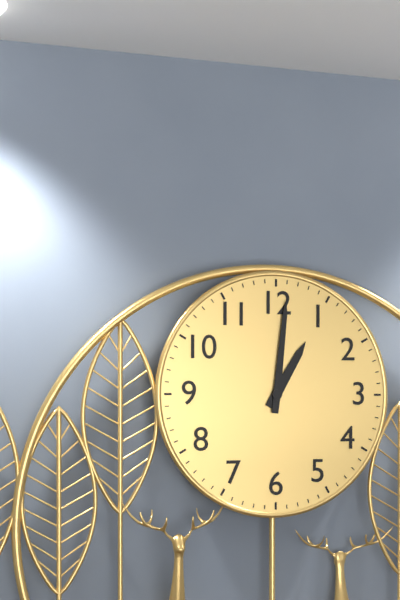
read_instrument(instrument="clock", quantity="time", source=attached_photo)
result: 1:01
